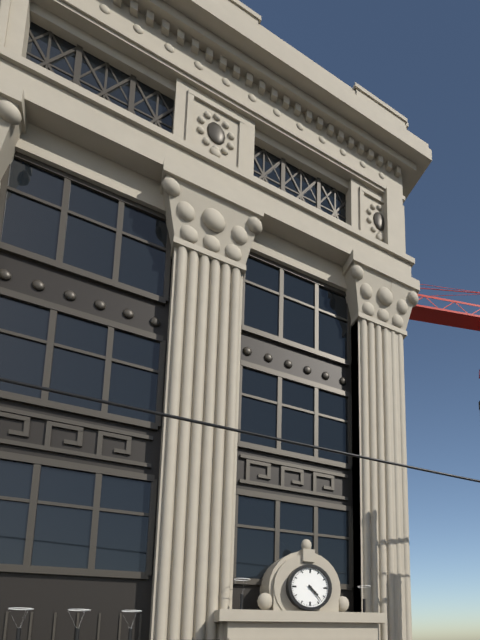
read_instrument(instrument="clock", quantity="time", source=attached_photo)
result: 4:23
